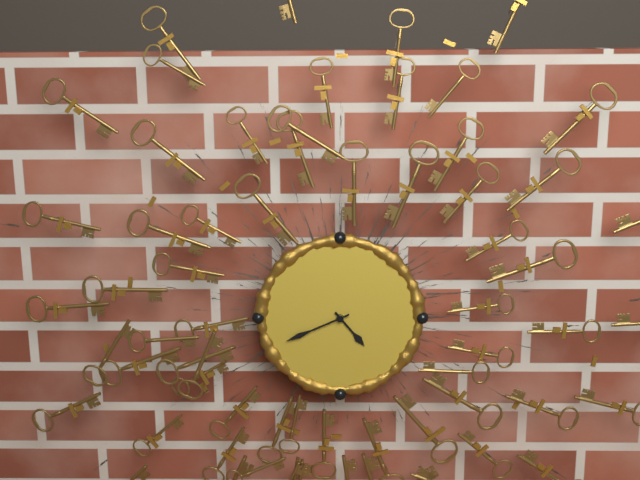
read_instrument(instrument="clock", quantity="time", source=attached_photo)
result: 4:41
